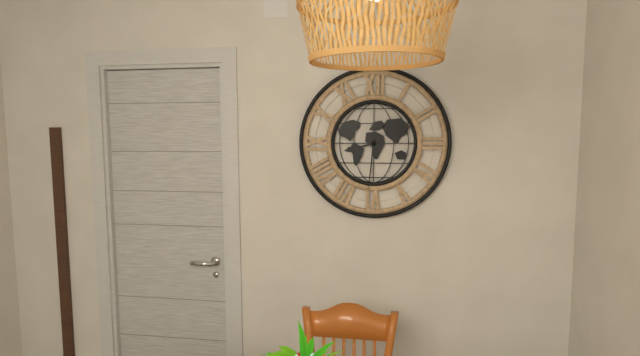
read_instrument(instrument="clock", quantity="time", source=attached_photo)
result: 8:31
